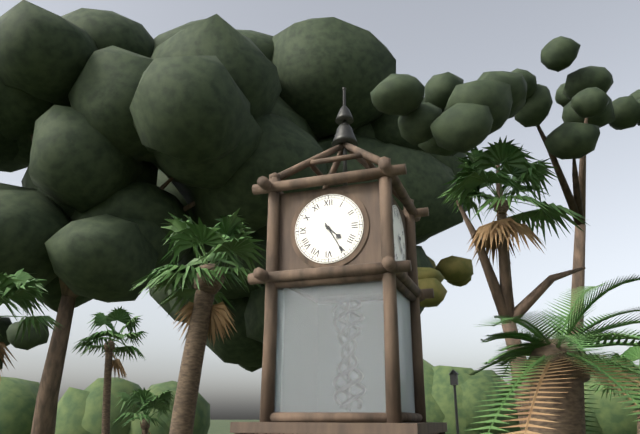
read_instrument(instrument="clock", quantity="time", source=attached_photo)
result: 4:25
